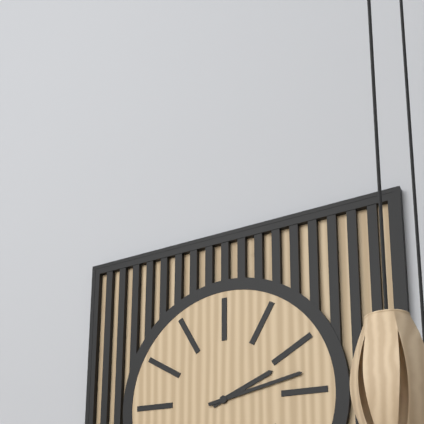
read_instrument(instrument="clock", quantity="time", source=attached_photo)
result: 2:13
